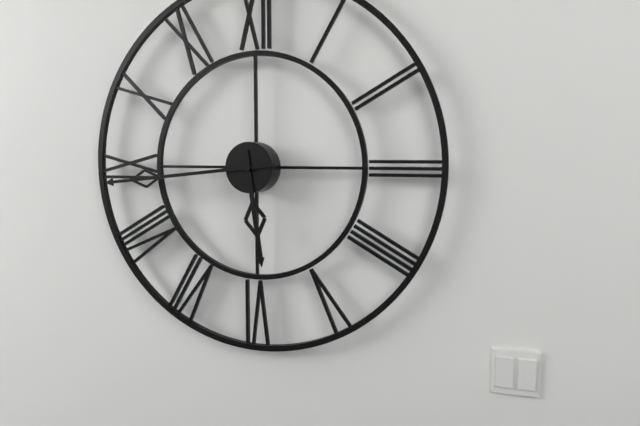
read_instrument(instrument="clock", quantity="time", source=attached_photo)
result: 5:44
